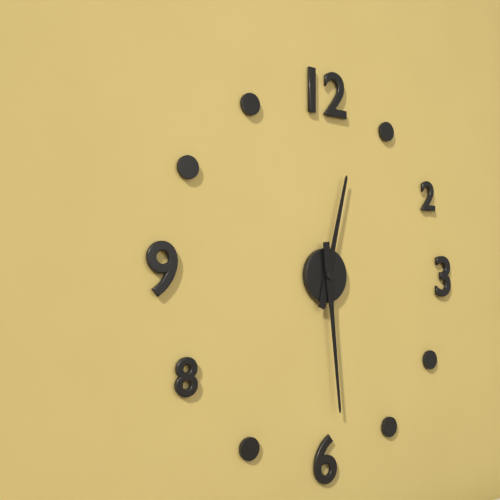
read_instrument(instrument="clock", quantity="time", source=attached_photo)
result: 12:29
